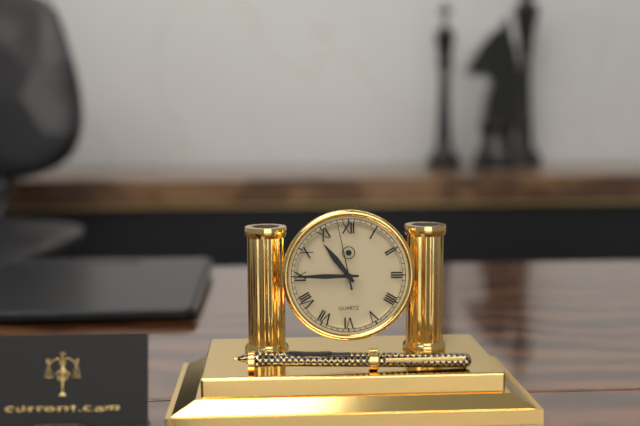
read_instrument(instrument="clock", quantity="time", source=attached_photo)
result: 10:45:58
